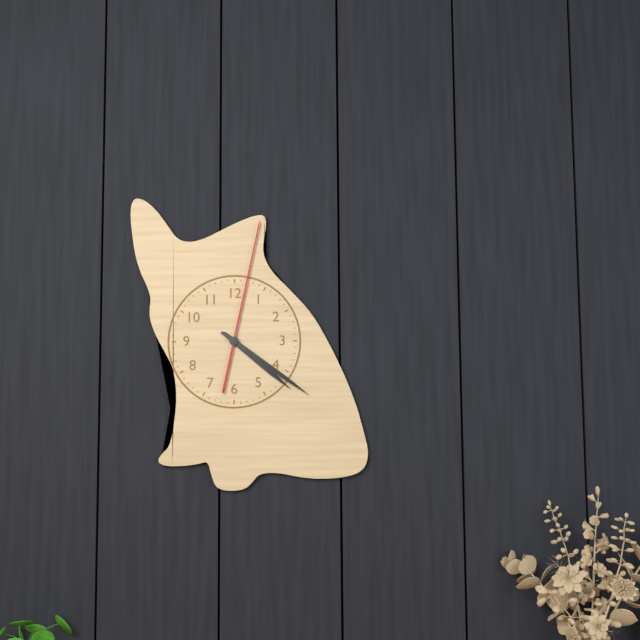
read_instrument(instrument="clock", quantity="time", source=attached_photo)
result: 4:21:02
